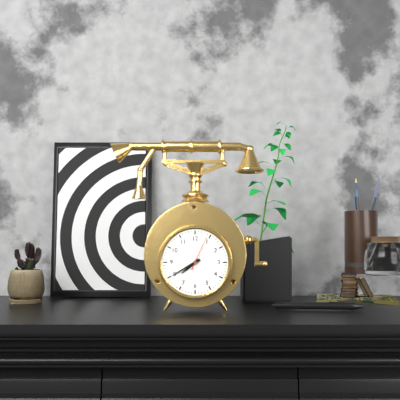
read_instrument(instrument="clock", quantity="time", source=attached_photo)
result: 7:40
